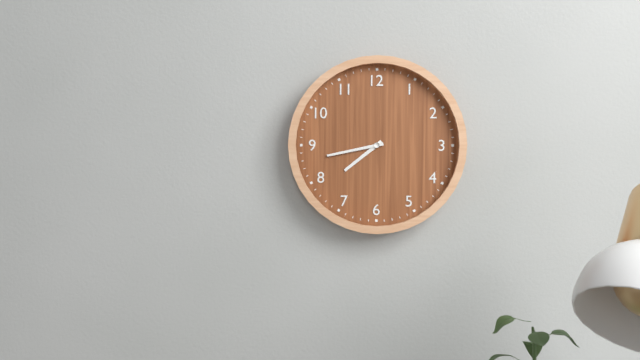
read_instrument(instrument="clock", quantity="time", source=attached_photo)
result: 7:43
